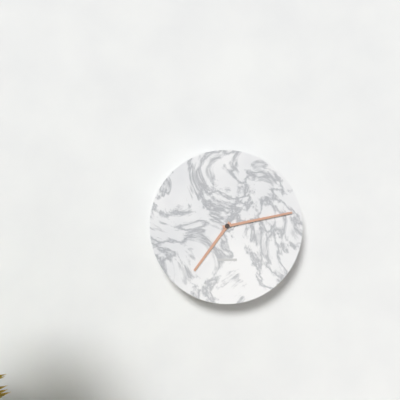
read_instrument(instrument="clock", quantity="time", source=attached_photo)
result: 7:13
